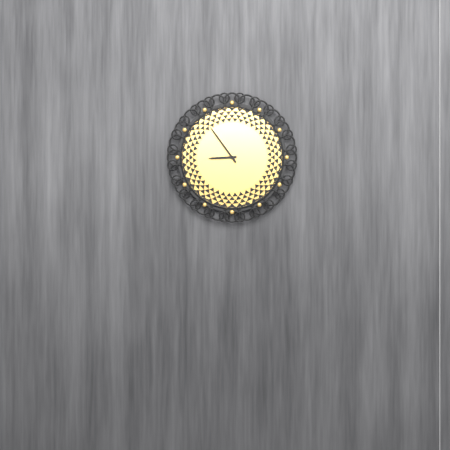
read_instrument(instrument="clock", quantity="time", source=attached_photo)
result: 8:54
